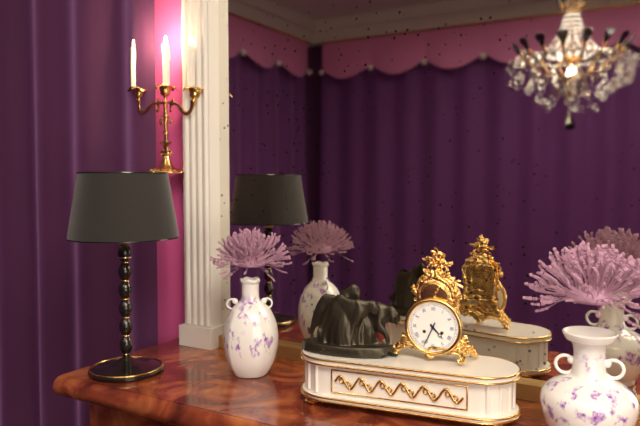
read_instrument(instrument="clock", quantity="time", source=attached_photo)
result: 4:34
